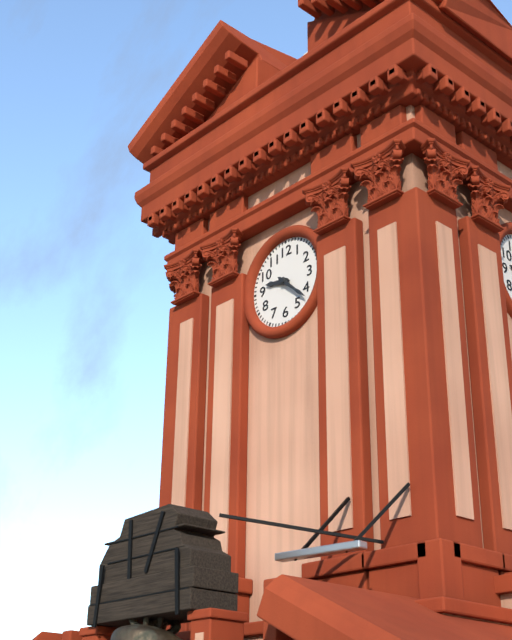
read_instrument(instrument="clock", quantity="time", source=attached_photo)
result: 9:22
